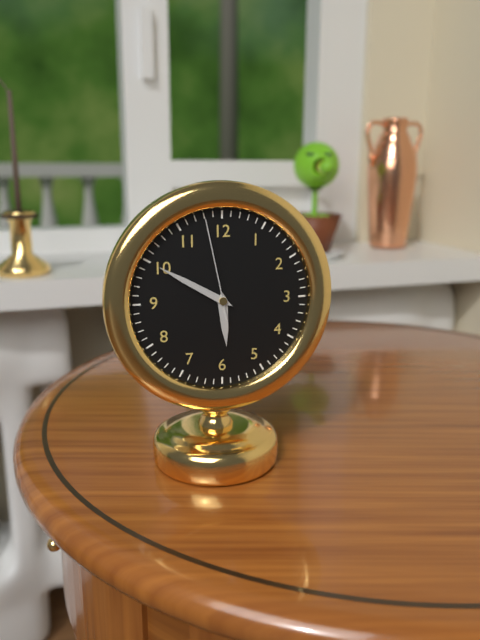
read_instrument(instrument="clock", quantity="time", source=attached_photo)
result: 5:50:58
